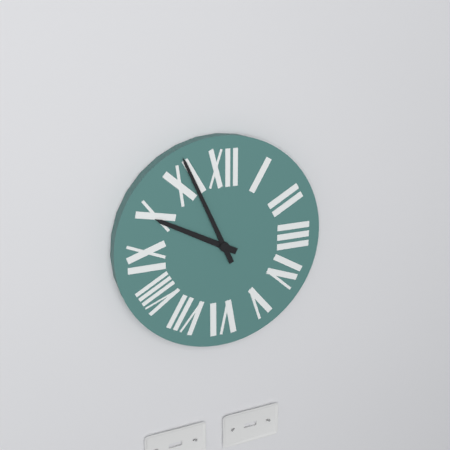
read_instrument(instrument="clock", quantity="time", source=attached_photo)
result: 9:56
